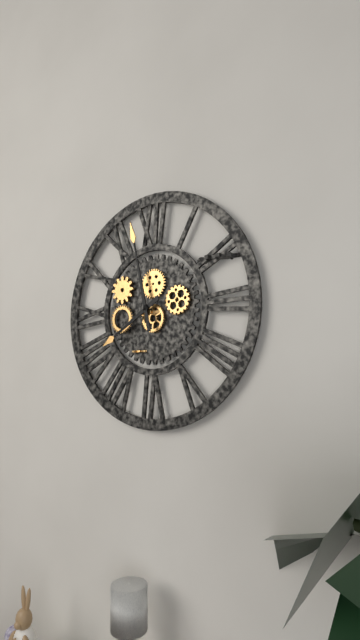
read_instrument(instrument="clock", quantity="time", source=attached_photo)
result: 7:58
